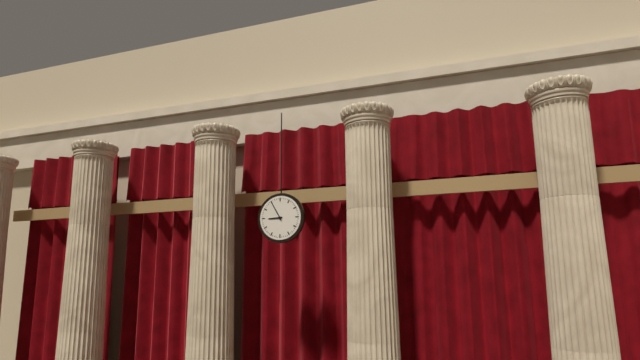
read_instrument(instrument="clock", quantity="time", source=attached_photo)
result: 8:55
